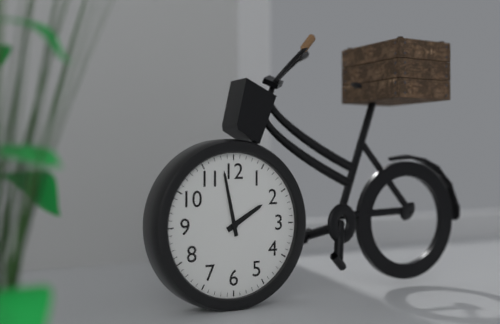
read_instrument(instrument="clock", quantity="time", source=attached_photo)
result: 1:58
